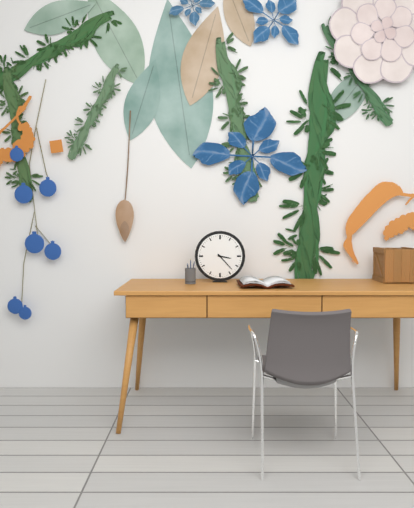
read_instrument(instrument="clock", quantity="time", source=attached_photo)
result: 3:23
